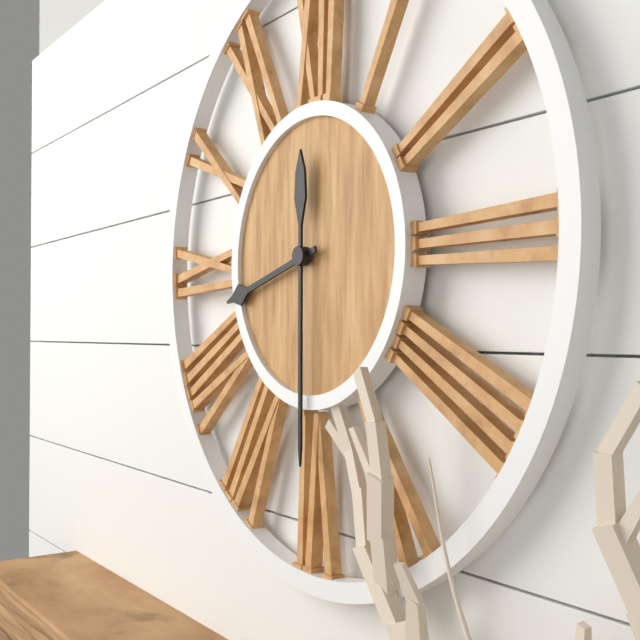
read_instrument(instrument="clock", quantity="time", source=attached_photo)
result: 8:30
